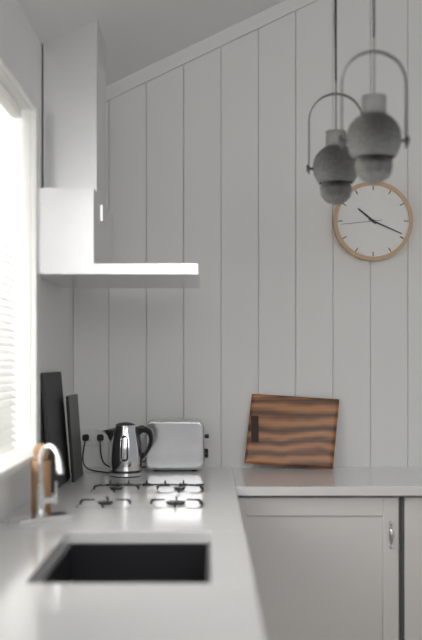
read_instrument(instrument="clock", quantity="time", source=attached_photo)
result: 10:19
